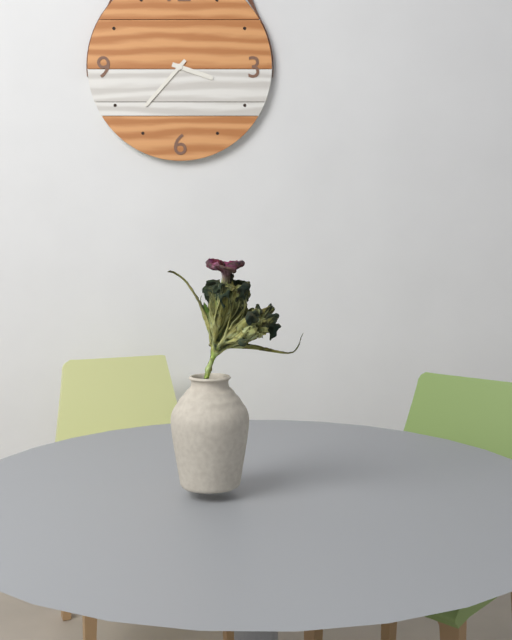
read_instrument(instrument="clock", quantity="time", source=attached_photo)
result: 3:37
